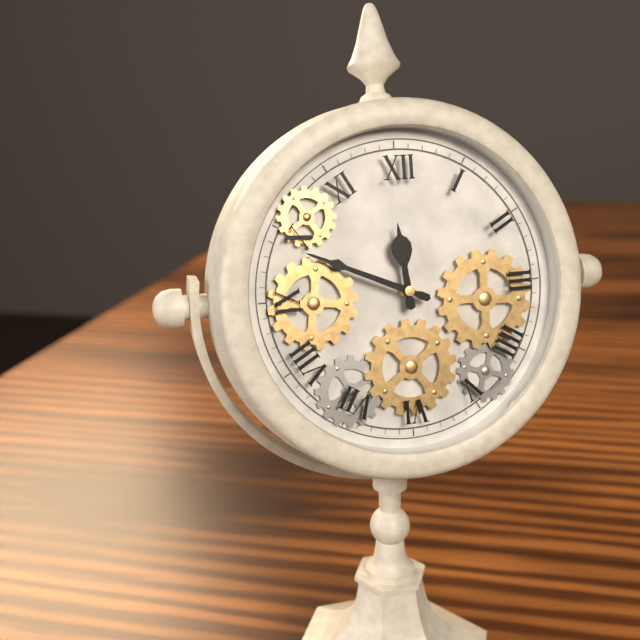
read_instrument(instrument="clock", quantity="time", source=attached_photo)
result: 11:49
